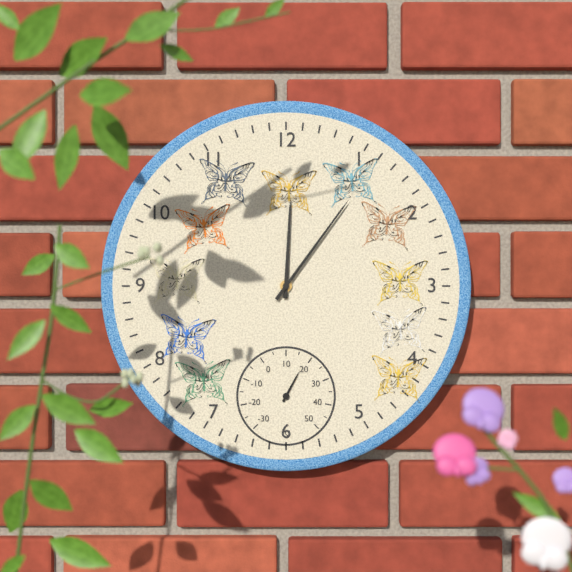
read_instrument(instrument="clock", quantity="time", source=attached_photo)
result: 12:06
